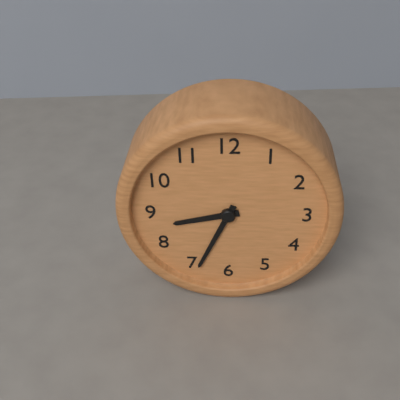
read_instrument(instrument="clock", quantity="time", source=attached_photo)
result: 8:34
